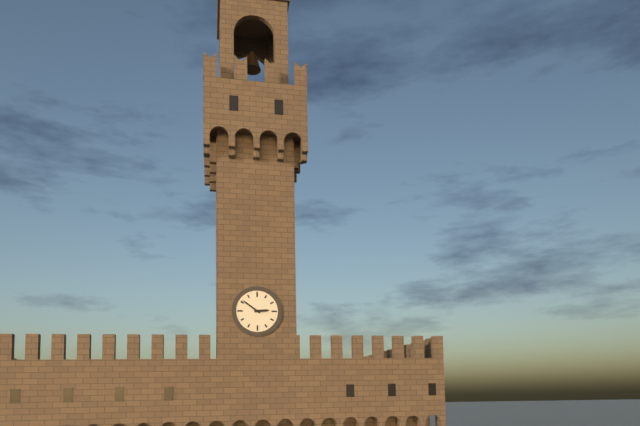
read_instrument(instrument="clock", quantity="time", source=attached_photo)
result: 2:51
